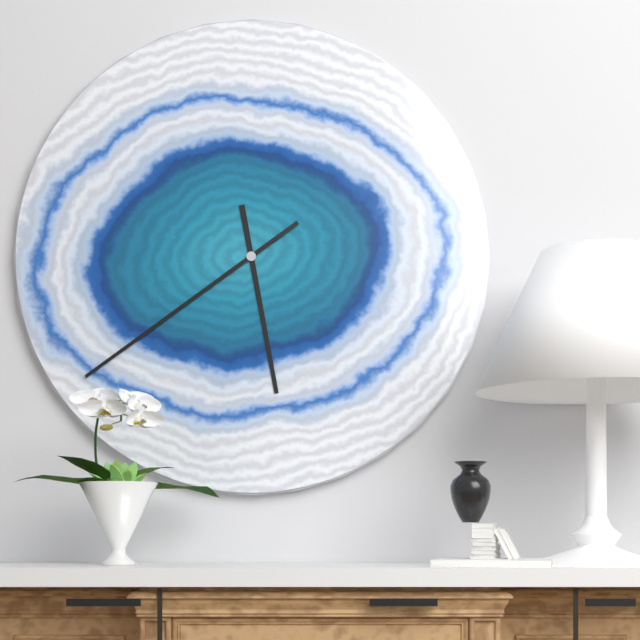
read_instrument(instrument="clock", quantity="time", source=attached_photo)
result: 5:39
